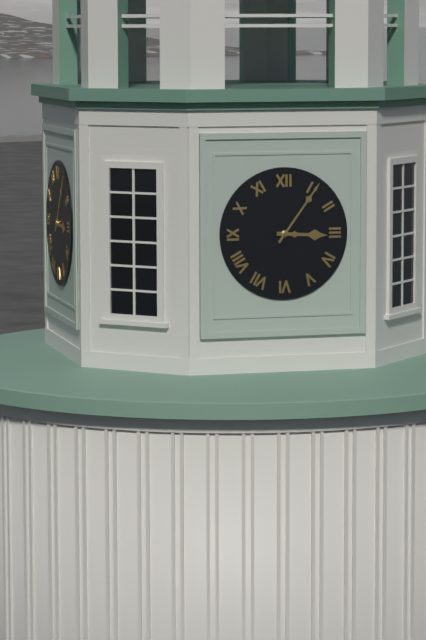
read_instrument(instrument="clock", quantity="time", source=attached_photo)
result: 3:06
